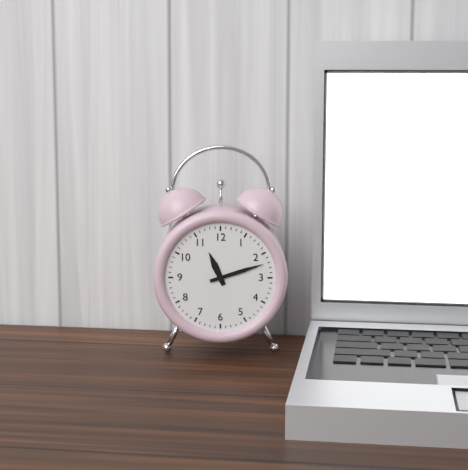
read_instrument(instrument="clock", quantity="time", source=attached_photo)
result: 11:12
